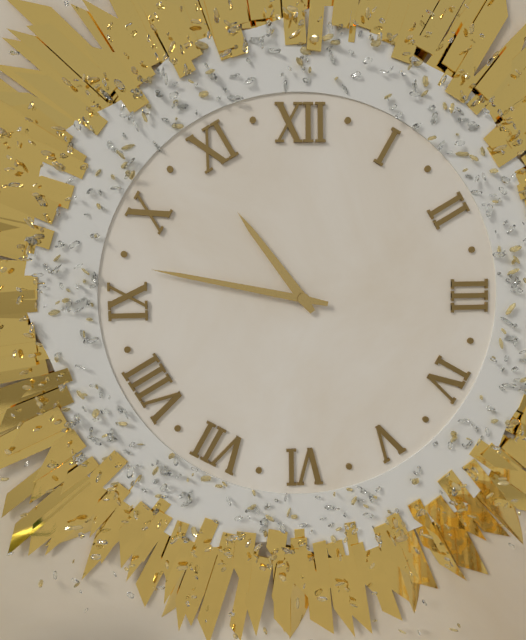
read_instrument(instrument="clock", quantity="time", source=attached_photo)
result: 10:47
